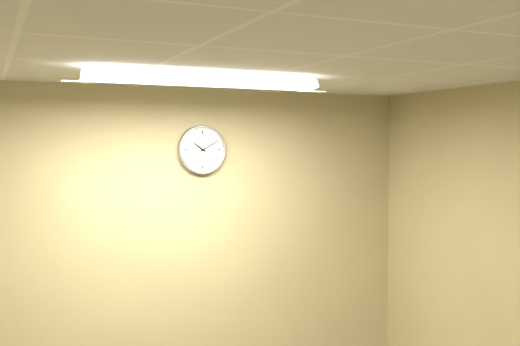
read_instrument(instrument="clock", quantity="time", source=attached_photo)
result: 10:10
